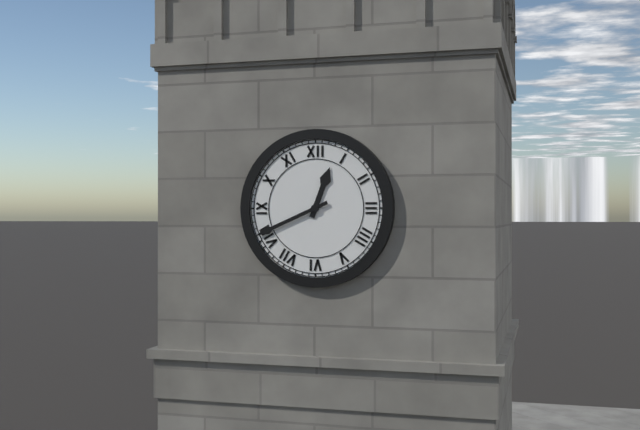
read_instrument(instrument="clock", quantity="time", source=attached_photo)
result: 12:41
